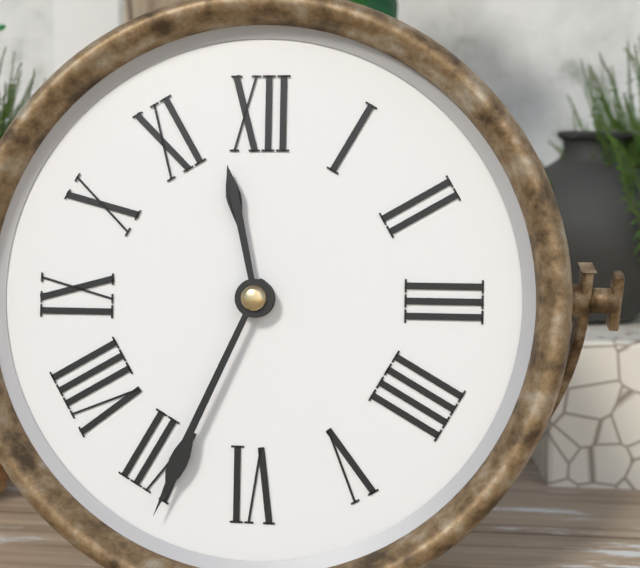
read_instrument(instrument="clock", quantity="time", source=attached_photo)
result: 11:34
